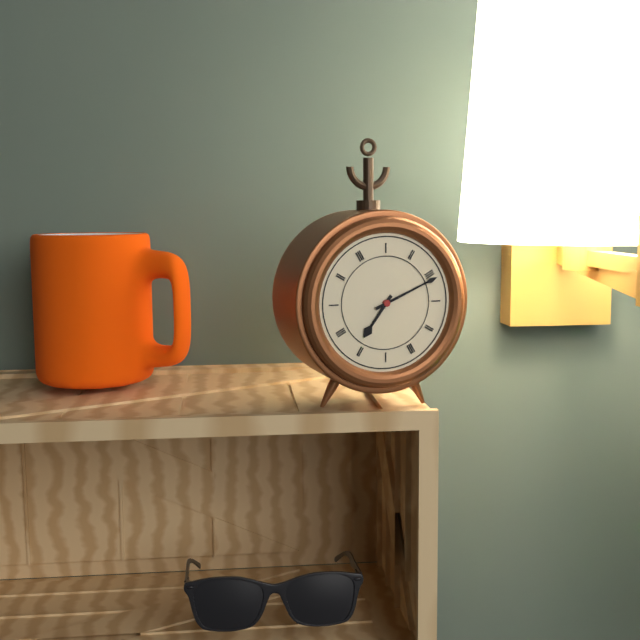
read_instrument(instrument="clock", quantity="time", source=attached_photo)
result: 7:11
